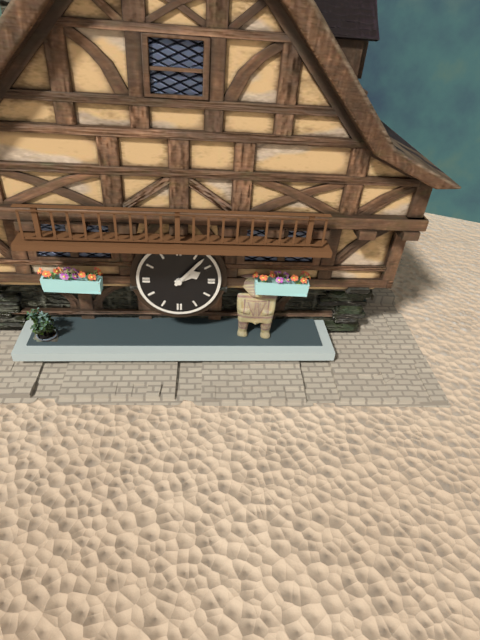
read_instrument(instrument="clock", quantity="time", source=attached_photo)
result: 2:07
